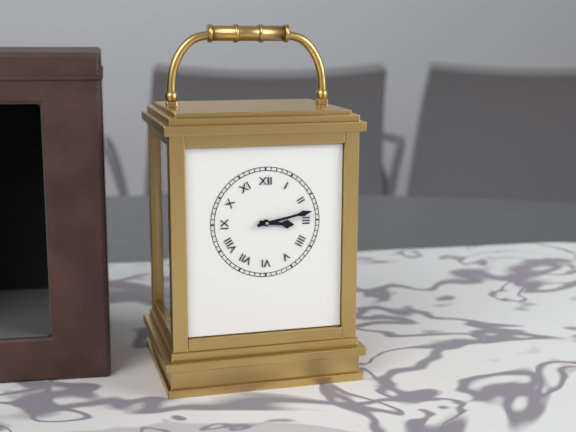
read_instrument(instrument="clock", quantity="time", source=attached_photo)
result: 3:13
